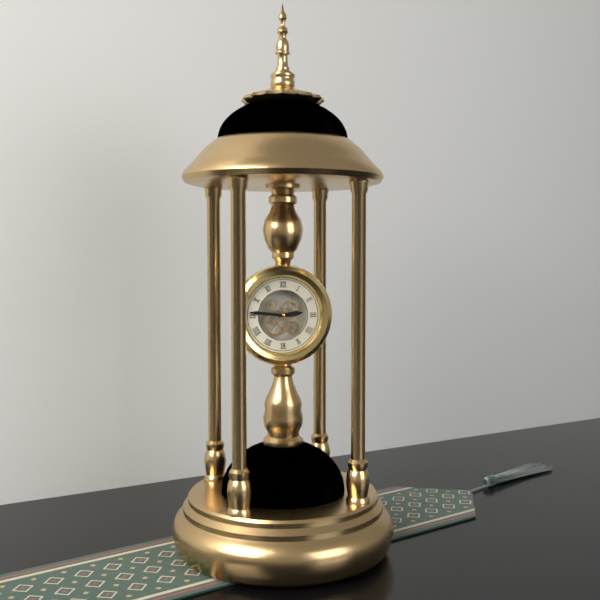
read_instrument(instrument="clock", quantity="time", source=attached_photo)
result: 2:46
